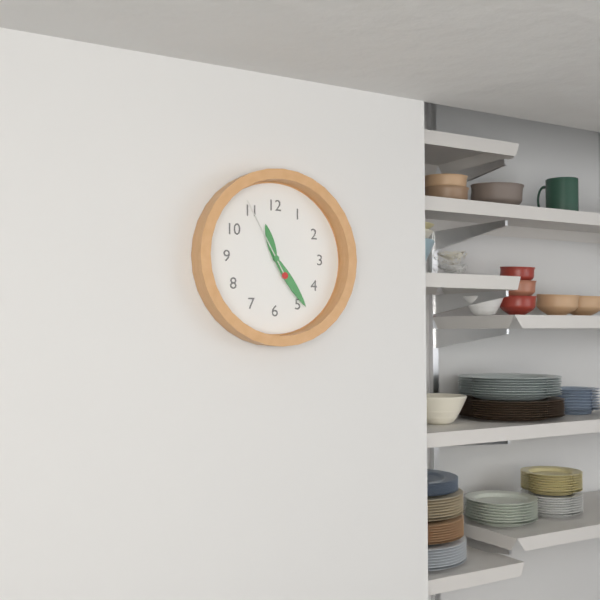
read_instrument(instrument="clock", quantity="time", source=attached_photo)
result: 11:24:55
